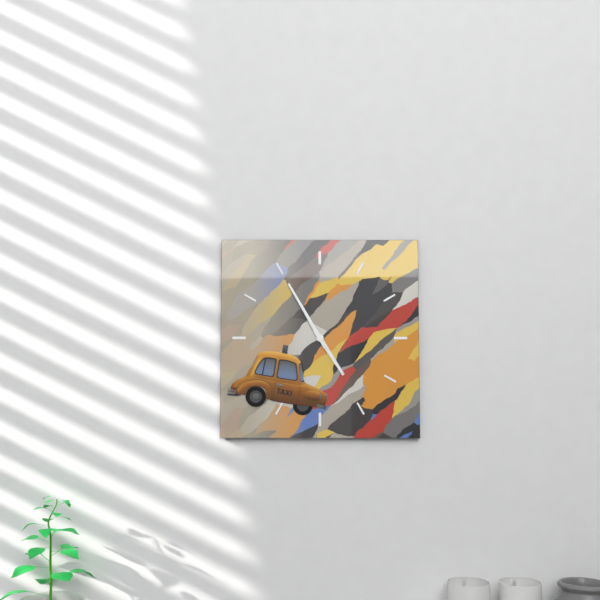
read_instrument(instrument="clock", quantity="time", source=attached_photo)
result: 4:55
